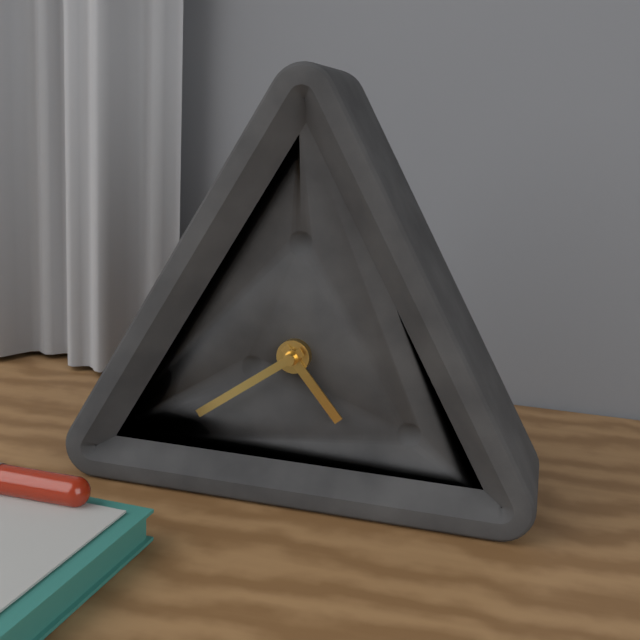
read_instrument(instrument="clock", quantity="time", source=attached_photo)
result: 4:39
